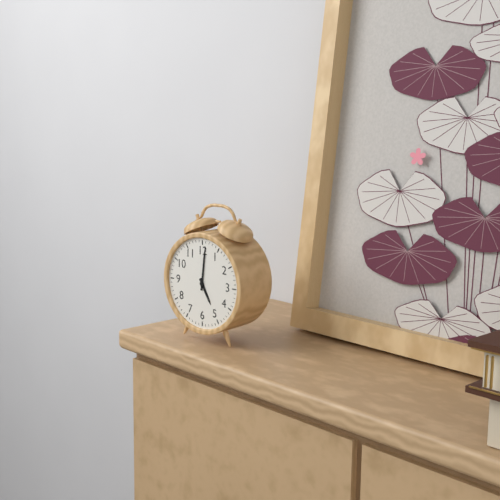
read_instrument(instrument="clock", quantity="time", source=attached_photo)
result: 5:01
